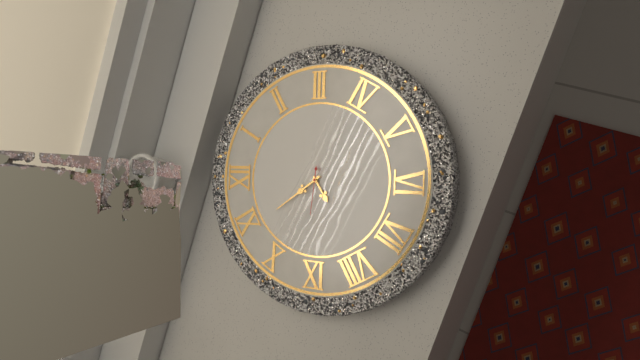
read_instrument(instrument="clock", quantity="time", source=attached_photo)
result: 7:54
